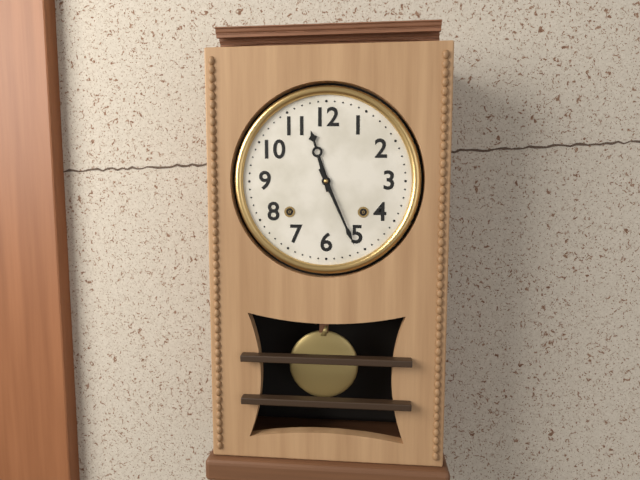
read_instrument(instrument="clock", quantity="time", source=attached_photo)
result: 11:26
